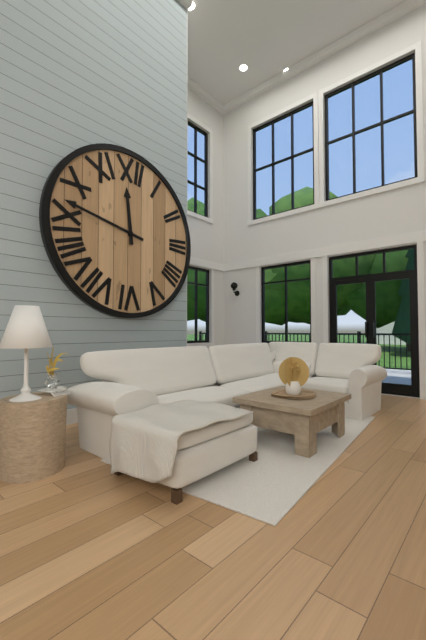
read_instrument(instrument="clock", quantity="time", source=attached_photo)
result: 11:47
